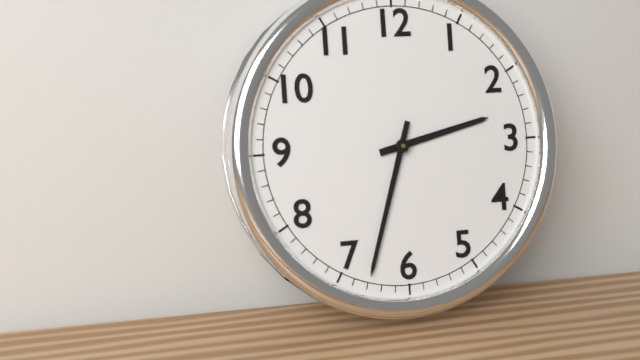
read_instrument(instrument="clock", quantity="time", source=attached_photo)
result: 2:33
